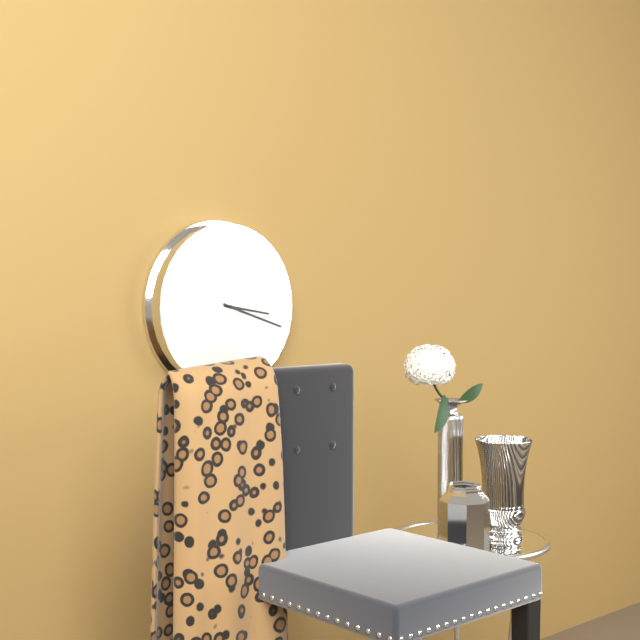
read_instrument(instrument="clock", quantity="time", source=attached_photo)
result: 3:18
